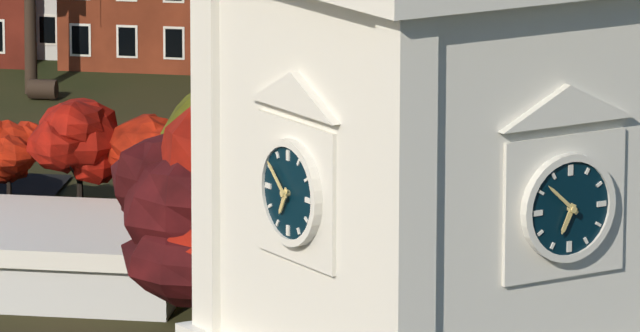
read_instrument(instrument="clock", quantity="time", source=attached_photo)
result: 6:52
